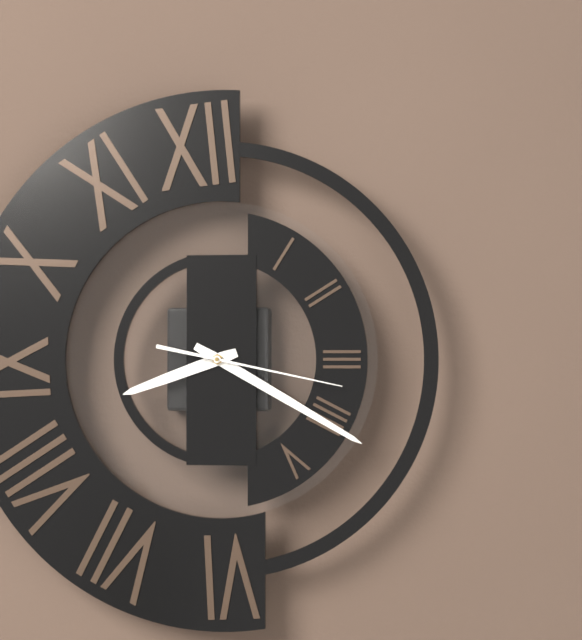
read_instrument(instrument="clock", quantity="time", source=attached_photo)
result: 8:20:17
